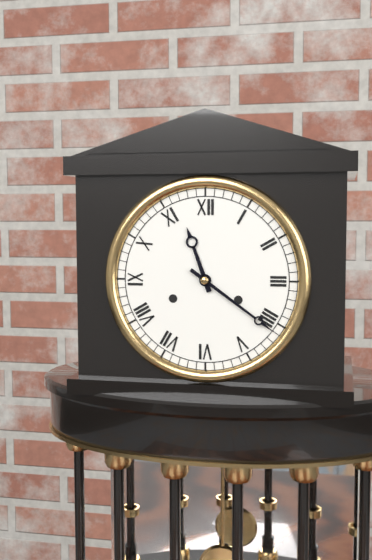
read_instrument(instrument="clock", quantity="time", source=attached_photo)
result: 11:21
